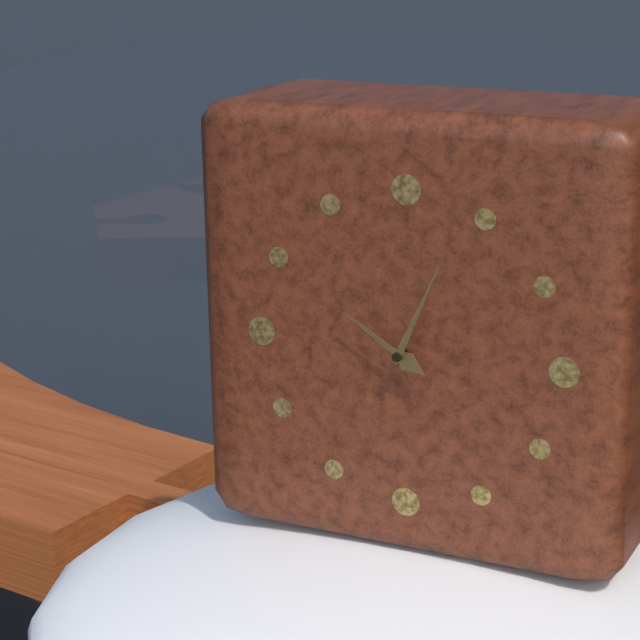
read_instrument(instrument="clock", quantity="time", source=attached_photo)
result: 10:04
